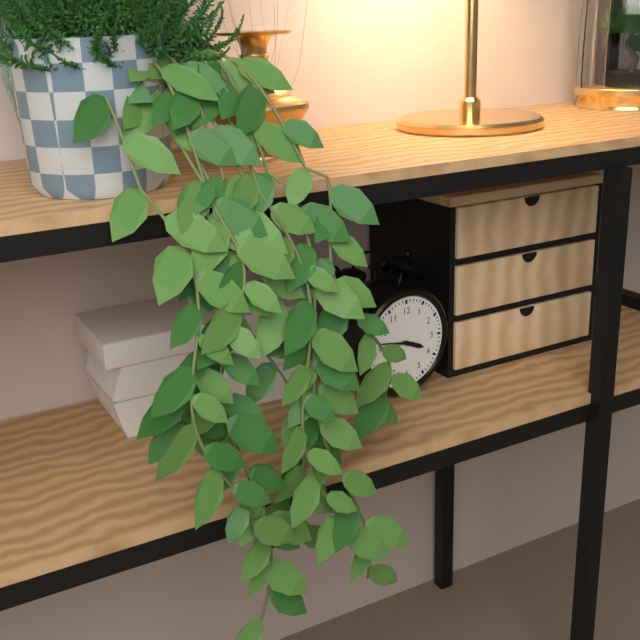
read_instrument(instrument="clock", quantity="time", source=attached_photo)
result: 3:47
